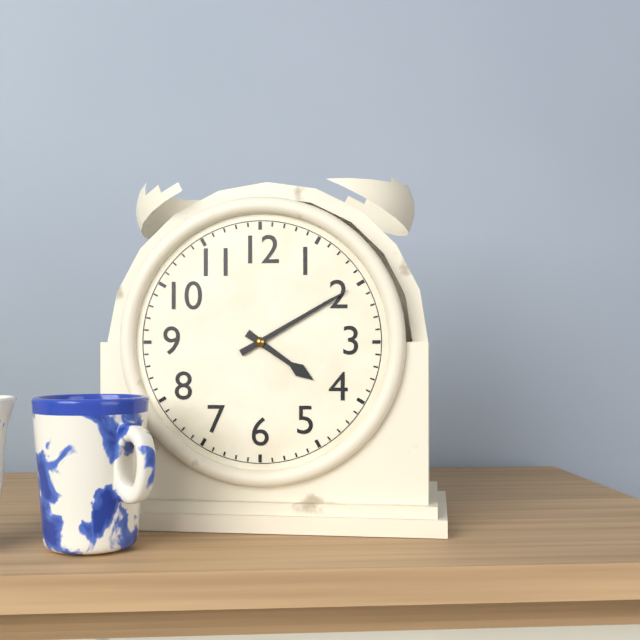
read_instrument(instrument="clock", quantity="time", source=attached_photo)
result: 4:10
